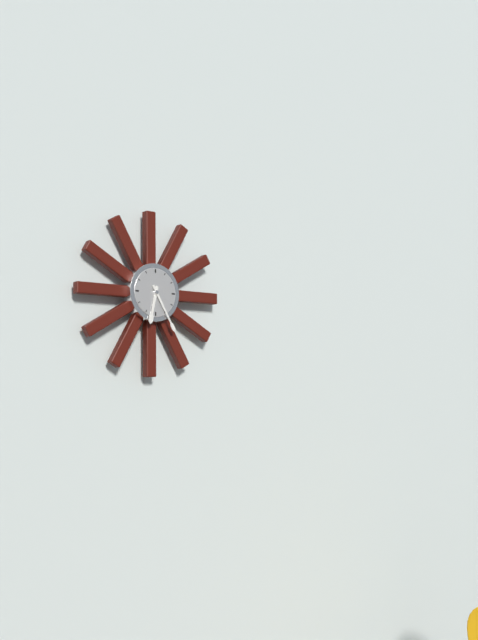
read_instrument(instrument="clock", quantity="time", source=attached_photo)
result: 6:25
